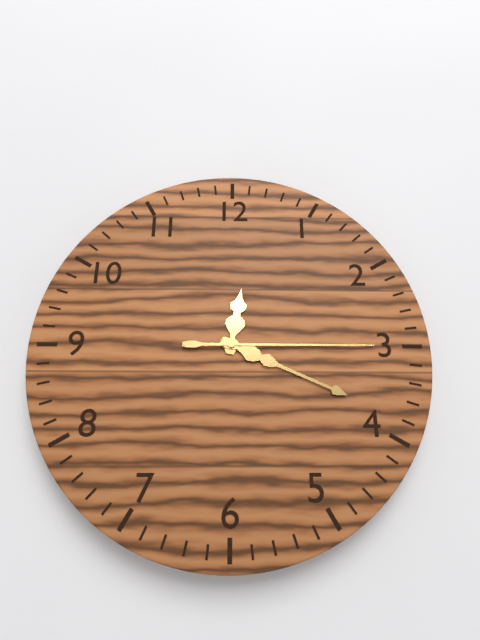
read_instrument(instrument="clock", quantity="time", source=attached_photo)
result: 12:19:15
